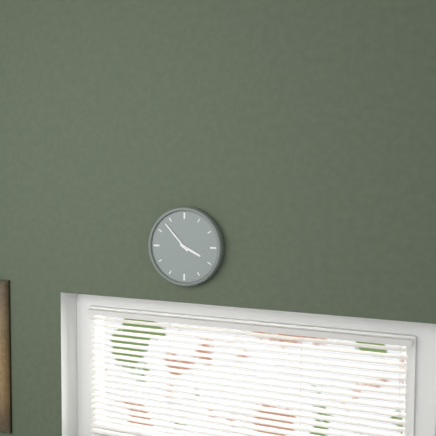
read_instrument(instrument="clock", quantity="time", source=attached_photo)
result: 3:53
